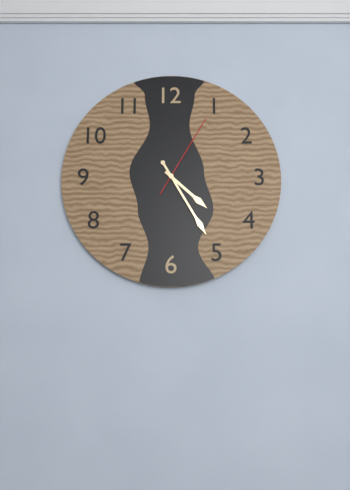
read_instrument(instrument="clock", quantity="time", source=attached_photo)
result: 4:25:05
